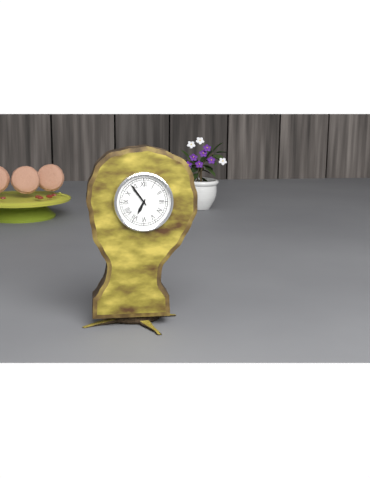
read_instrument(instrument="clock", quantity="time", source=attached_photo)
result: 6:54
